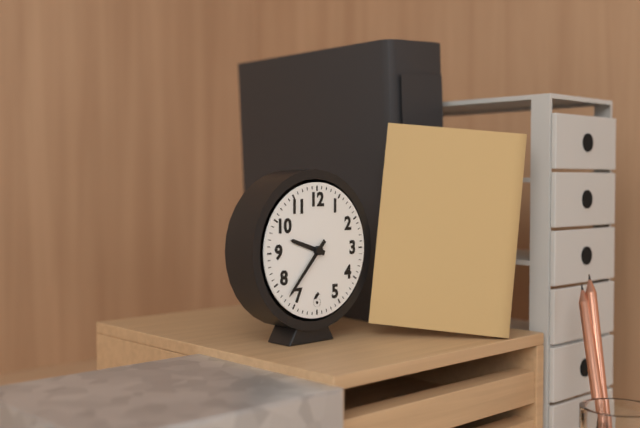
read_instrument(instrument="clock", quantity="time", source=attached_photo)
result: 9:37
